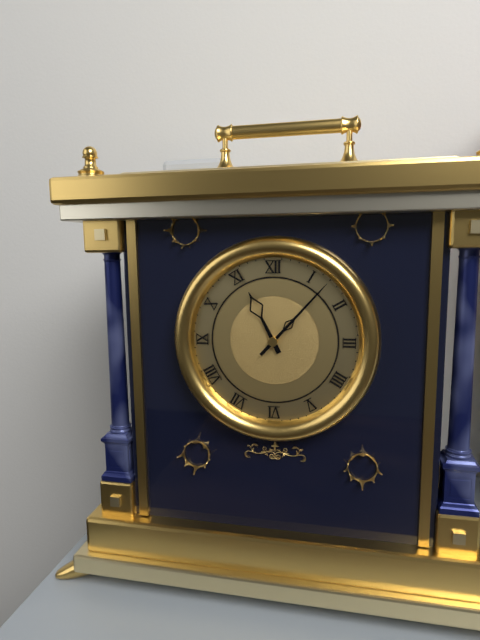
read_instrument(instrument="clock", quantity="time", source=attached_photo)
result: 11:07
